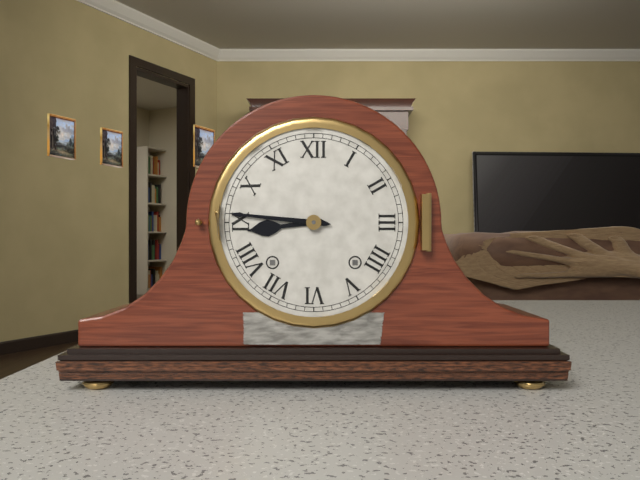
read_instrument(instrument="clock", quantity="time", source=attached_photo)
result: 8:46
